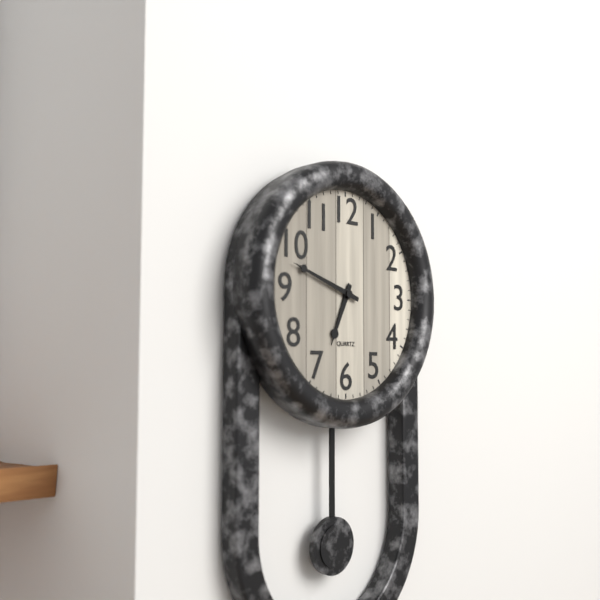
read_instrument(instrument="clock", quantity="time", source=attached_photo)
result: 6:48
